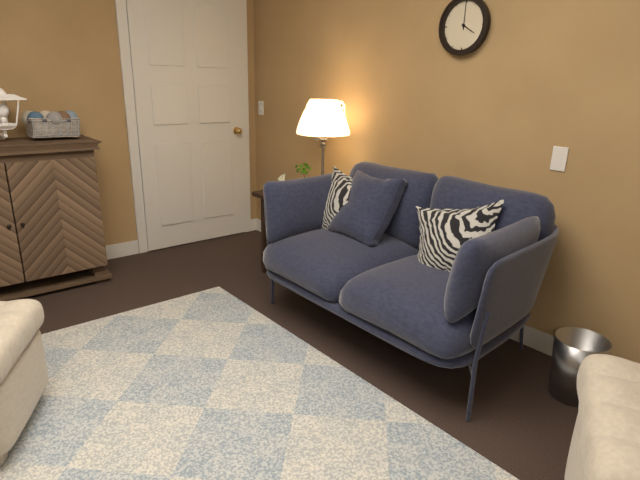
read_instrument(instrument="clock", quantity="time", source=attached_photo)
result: 4:00
